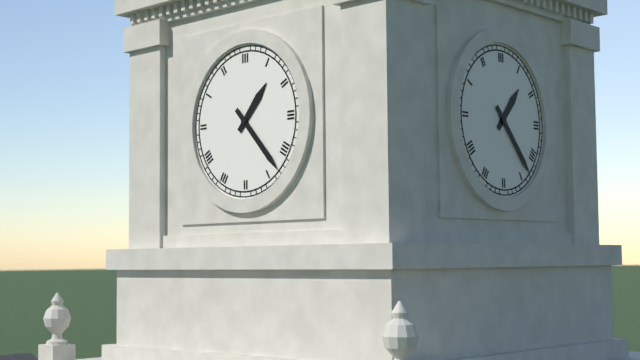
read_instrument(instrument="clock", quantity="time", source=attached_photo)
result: 1:23
